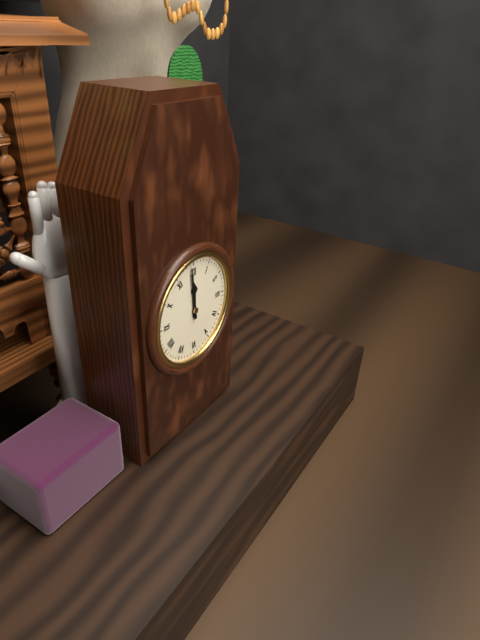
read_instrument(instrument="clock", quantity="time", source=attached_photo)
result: 11:59
